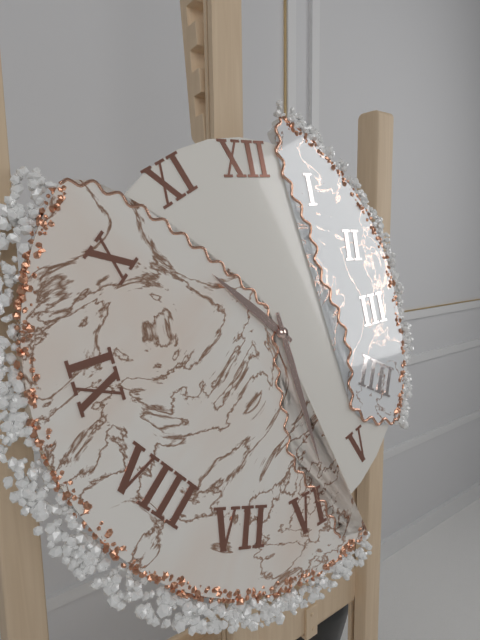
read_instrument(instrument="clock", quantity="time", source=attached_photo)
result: 10:29
